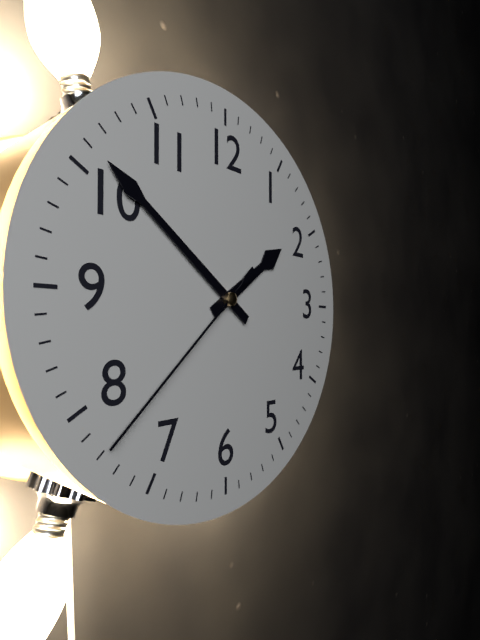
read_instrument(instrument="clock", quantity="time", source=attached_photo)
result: 1:51:38
